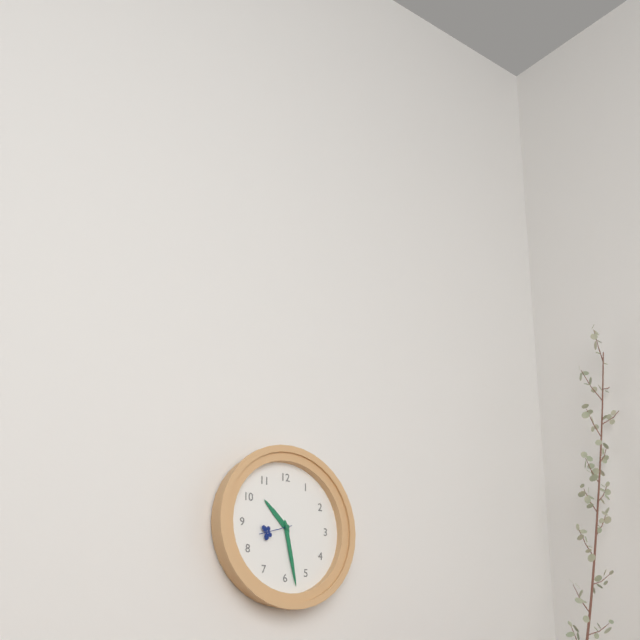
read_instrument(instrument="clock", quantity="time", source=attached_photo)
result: 10:28
